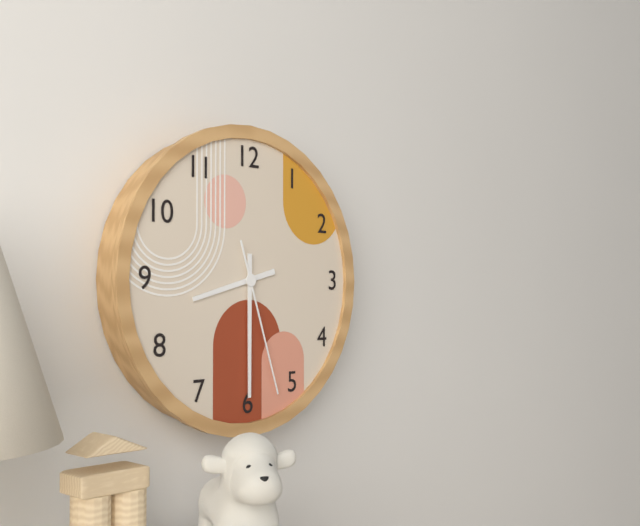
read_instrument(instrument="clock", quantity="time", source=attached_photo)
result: 8:30:27
